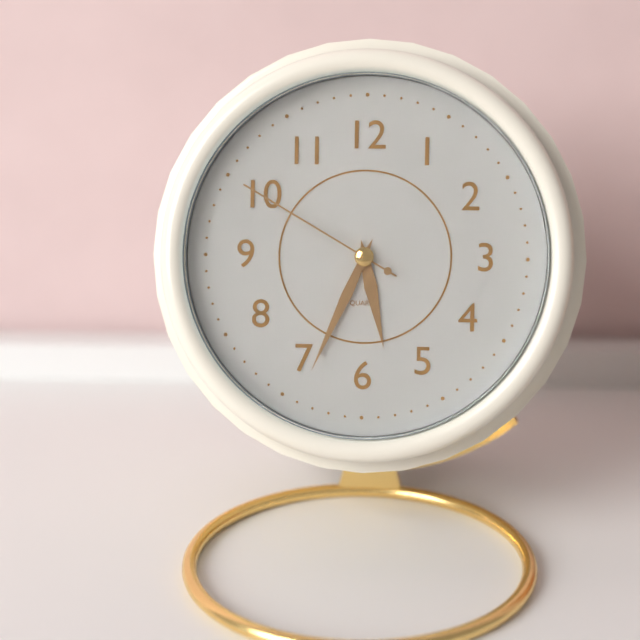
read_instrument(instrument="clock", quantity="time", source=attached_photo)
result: 5:34:50
